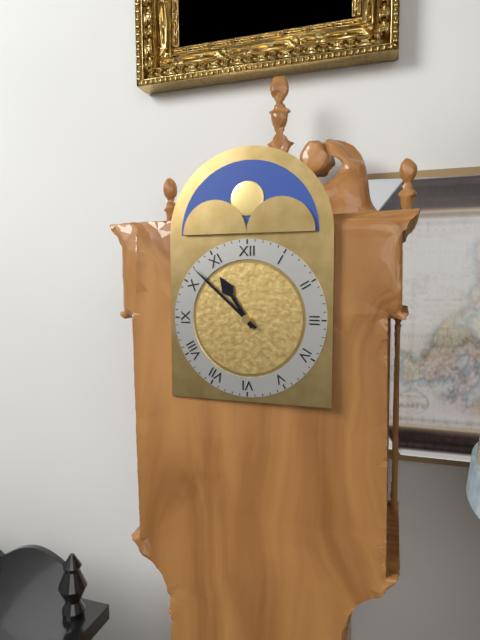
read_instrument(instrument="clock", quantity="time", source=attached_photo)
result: 10:52
